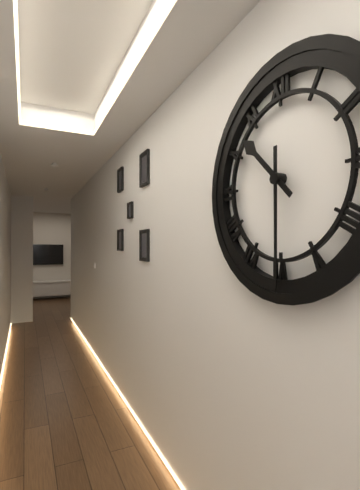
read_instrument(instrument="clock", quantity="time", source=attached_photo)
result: 10:30
